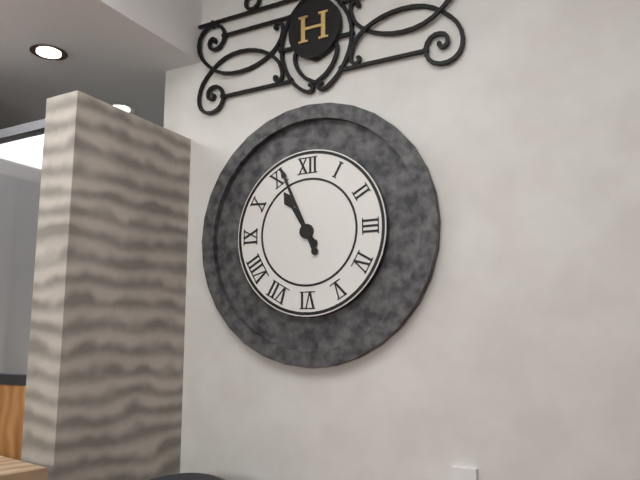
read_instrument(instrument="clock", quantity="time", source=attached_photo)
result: 10:56
